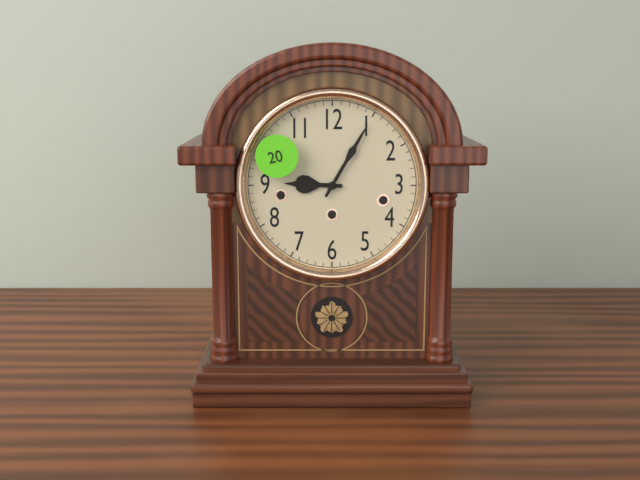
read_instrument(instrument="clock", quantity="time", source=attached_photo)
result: 9:05
